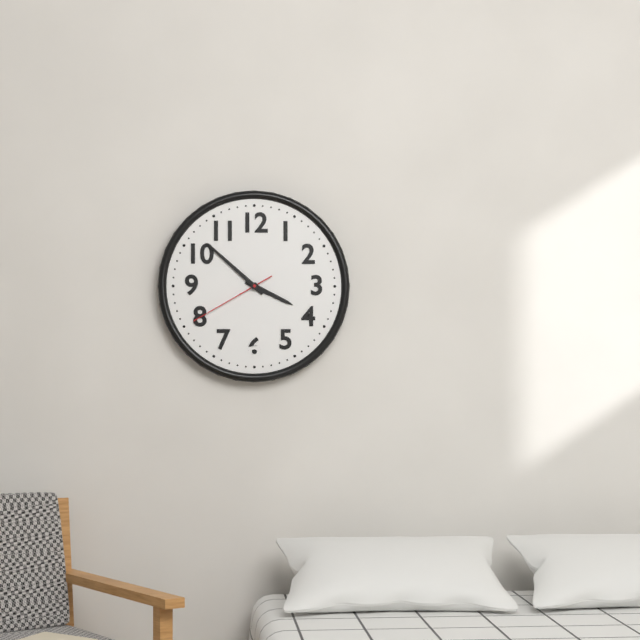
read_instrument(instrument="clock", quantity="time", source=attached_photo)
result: 3:52:40
